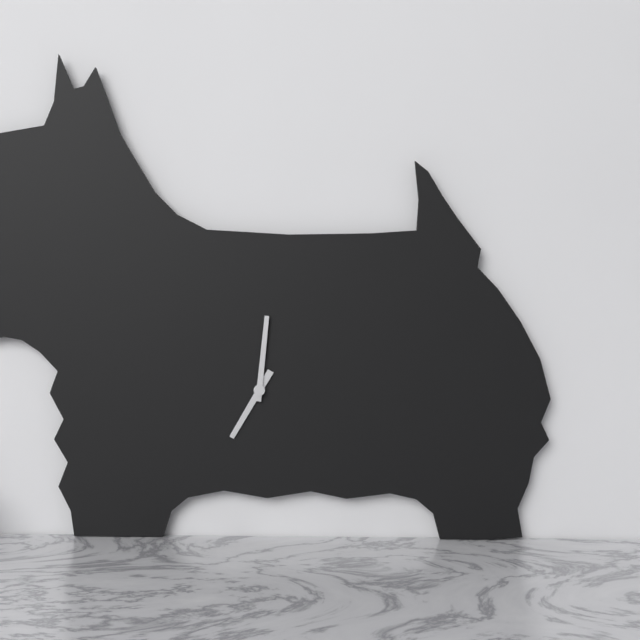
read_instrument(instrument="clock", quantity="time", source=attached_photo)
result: 7:01
